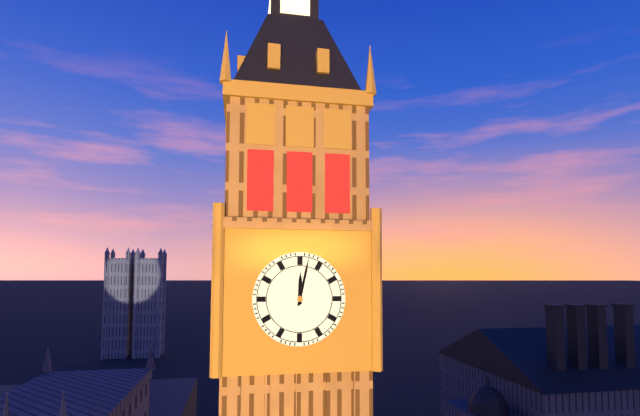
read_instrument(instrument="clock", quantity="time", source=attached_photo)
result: 12:02
